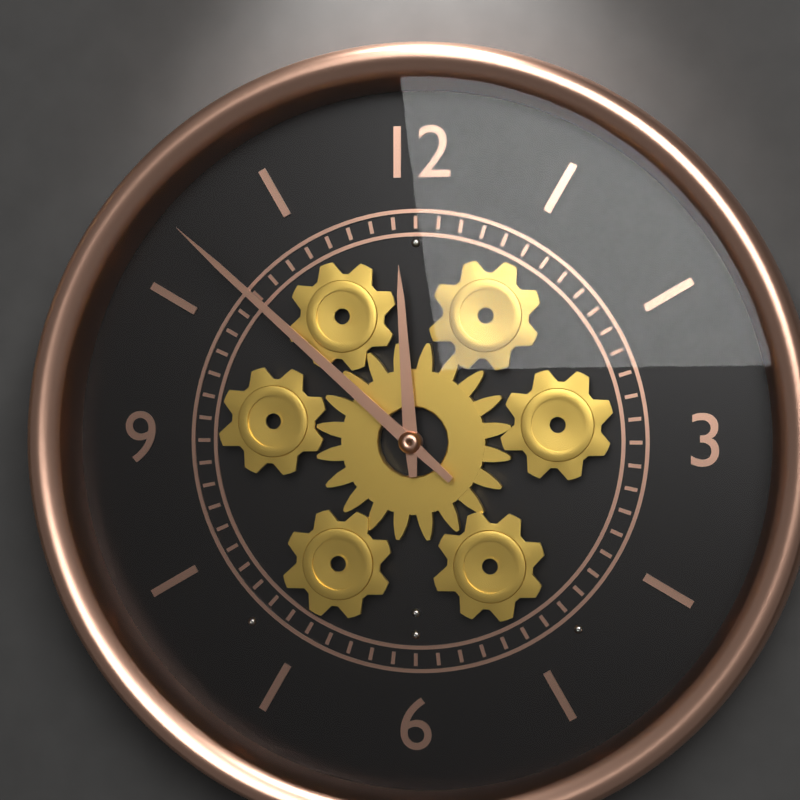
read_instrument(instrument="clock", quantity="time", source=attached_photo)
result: 11:52
